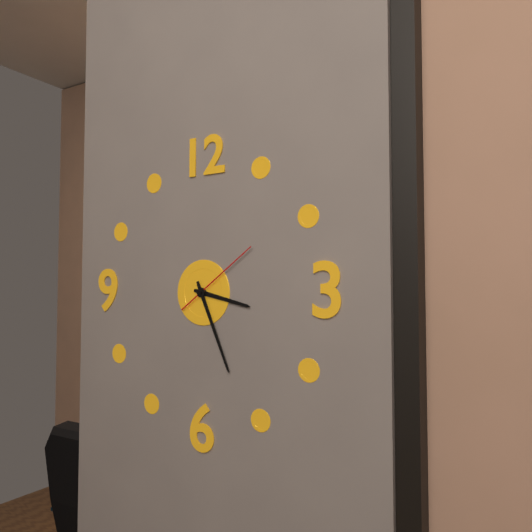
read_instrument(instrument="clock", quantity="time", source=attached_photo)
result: 3:26:09
